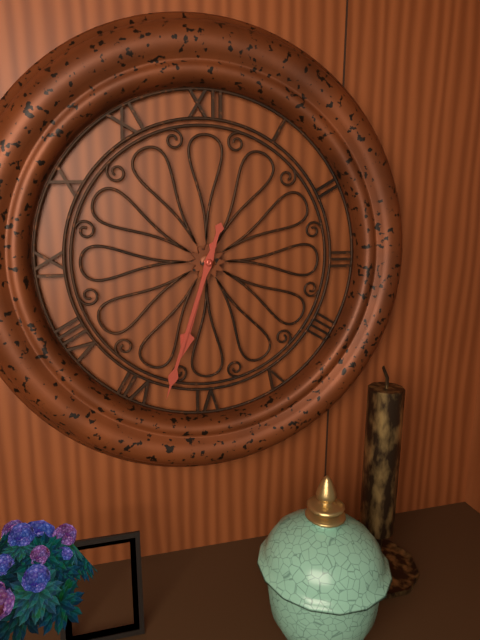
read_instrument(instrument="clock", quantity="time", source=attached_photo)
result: 6:33
